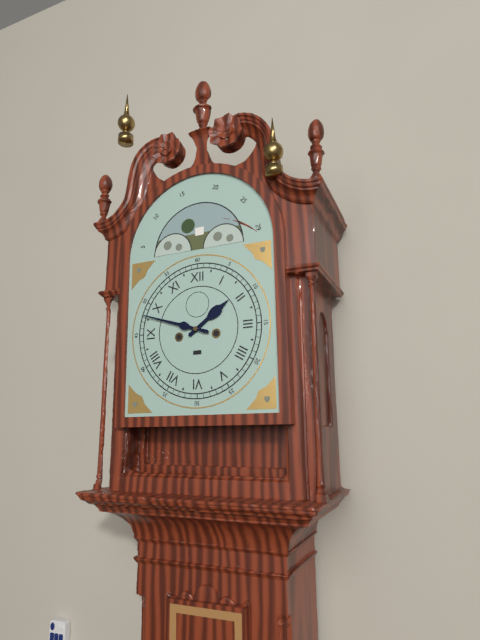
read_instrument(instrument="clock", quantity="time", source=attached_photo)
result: 1:48
